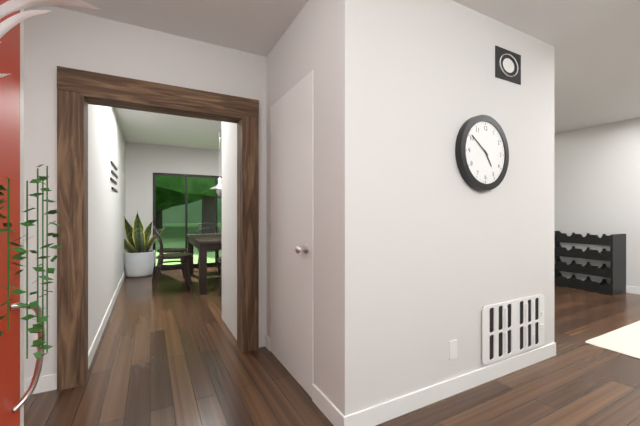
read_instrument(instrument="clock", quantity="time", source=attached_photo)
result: 4:51
